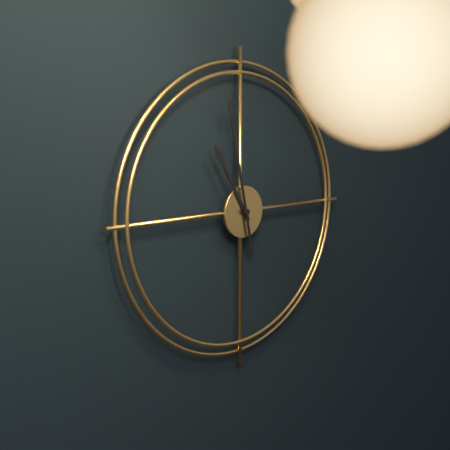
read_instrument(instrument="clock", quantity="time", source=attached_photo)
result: 10:58
